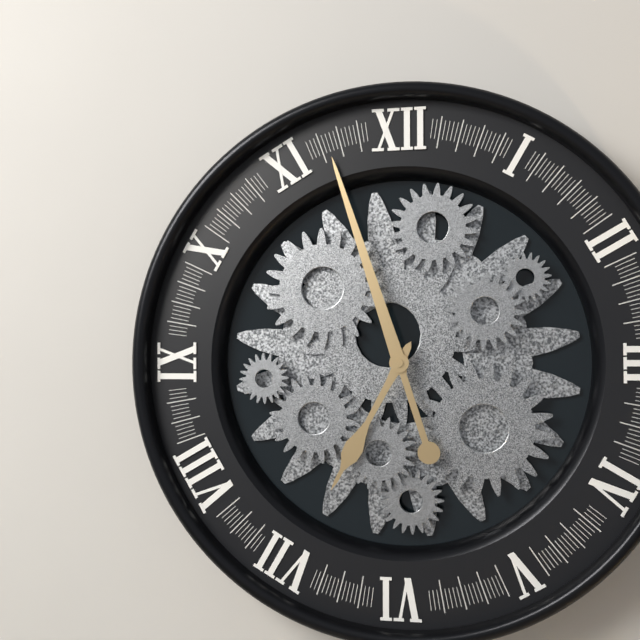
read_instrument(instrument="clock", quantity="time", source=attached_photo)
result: 6:57
